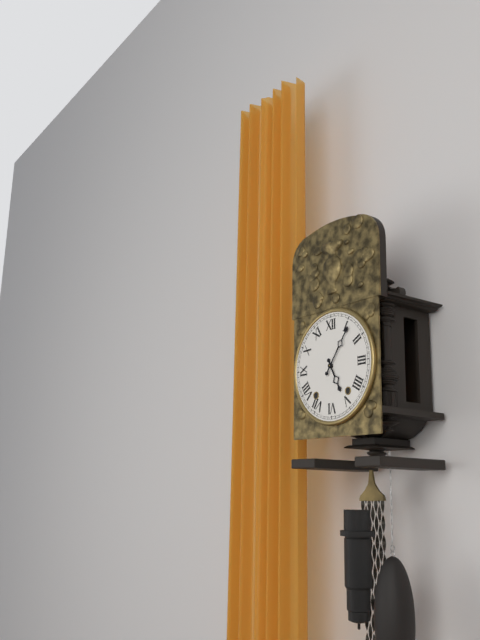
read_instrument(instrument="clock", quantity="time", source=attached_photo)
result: 5:06
